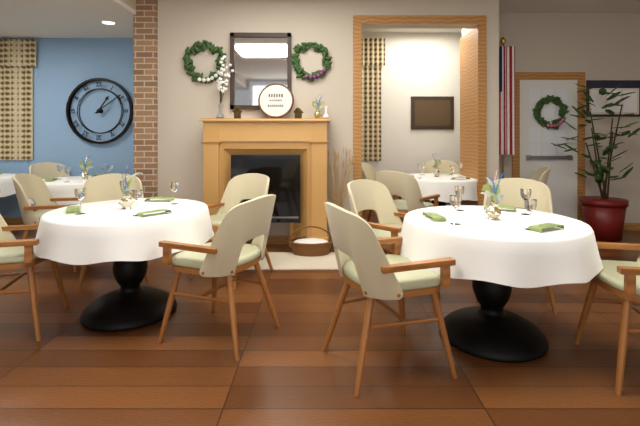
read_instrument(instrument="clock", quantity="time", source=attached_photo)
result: 1:09
